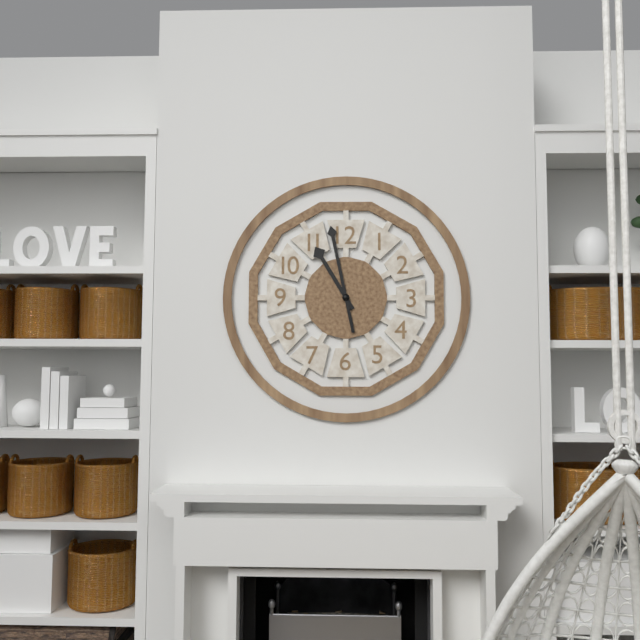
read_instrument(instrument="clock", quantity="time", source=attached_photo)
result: 10:58
